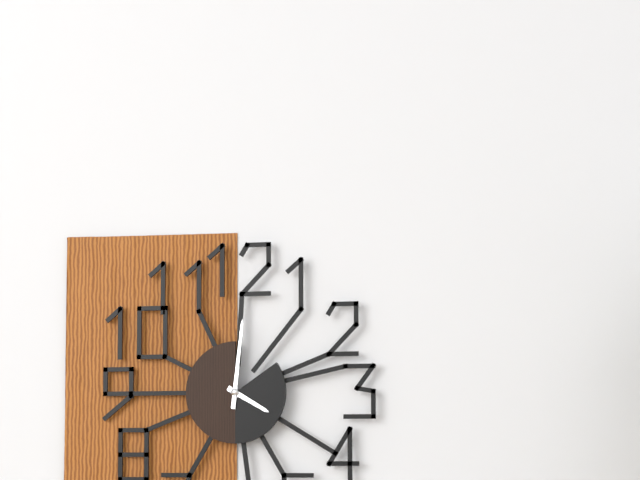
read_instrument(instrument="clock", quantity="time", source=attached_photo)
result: 4:01
